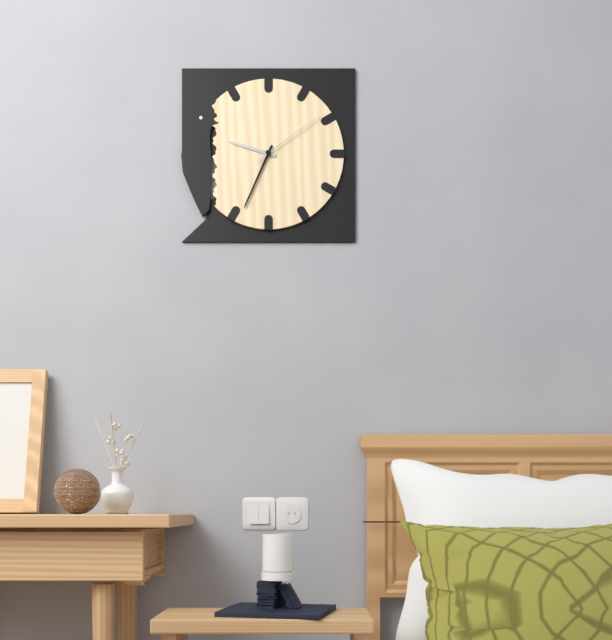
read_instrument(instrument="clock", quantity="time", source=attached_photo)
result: 9:34:09
